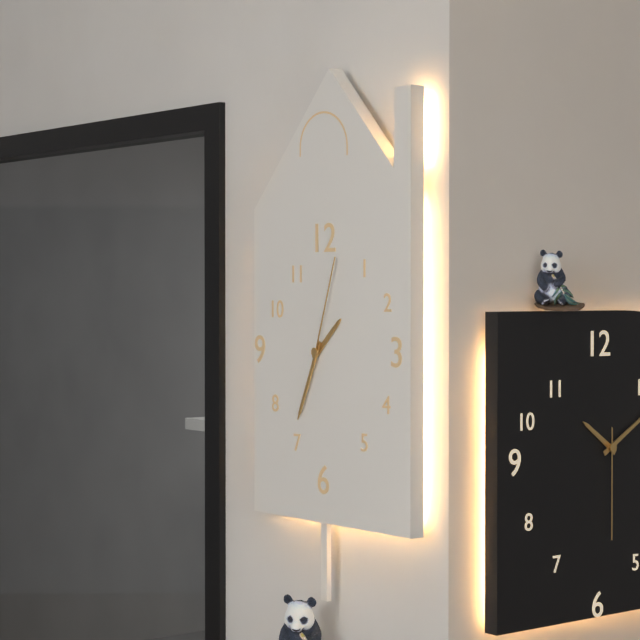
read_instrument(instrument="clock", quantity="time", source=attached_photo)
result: 1:34:03
